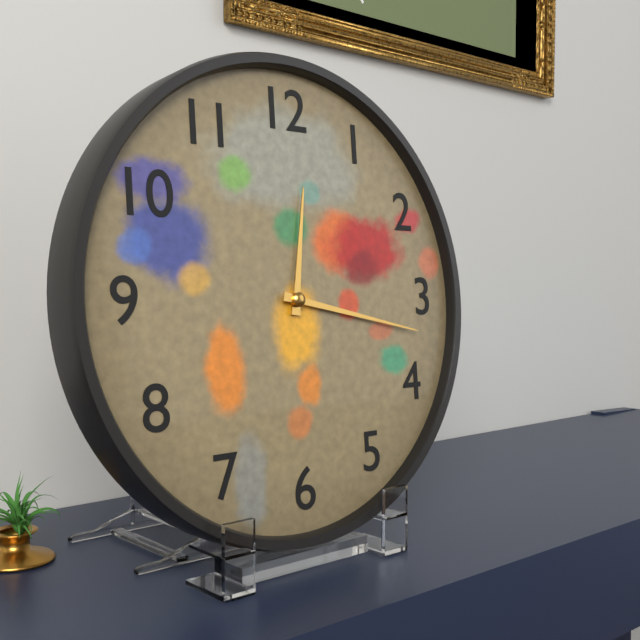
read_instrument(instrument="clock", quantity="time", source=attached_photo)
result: 12:17
